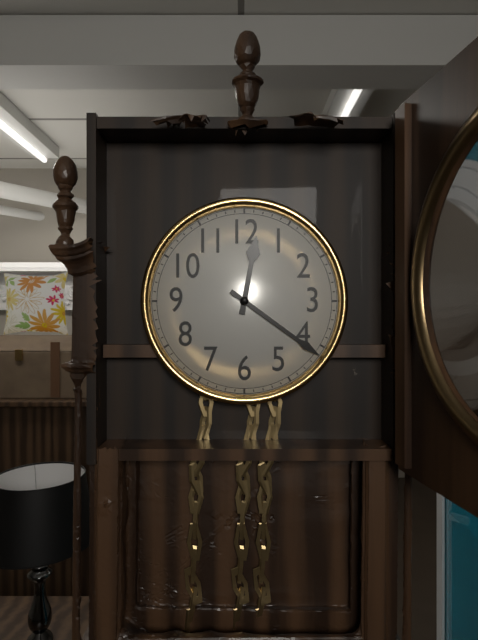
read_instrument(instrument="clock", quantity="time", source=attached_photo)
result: 12:21
